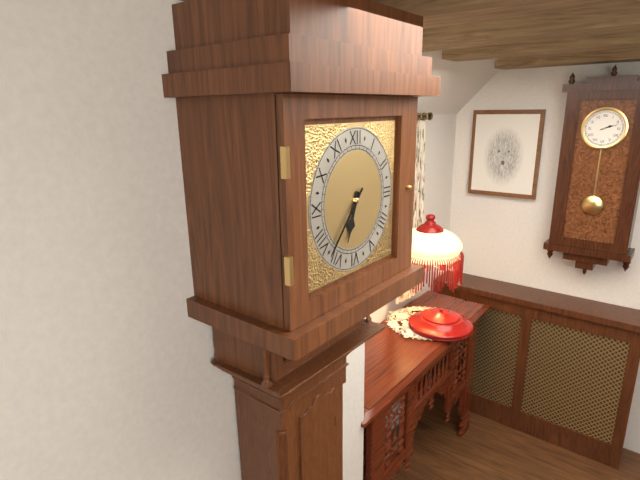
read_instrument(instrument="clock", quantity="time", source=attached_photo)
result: 6:37
